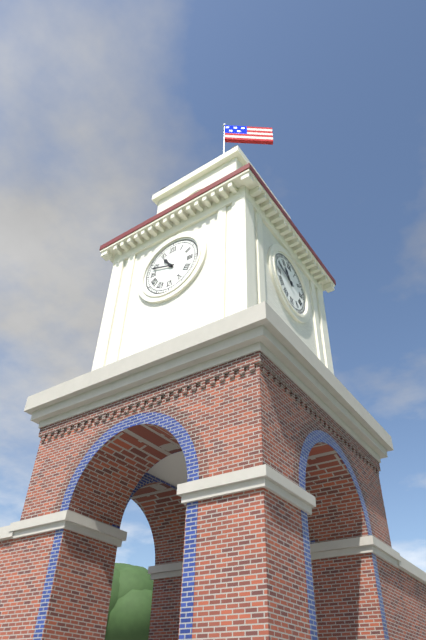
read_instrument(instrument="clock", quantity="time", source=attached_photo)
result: 10:48
